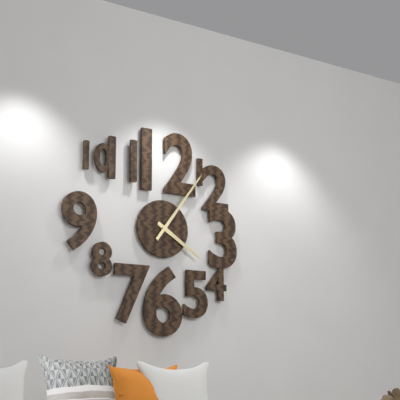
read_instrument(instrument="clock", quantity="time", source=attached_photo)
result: 4:06
